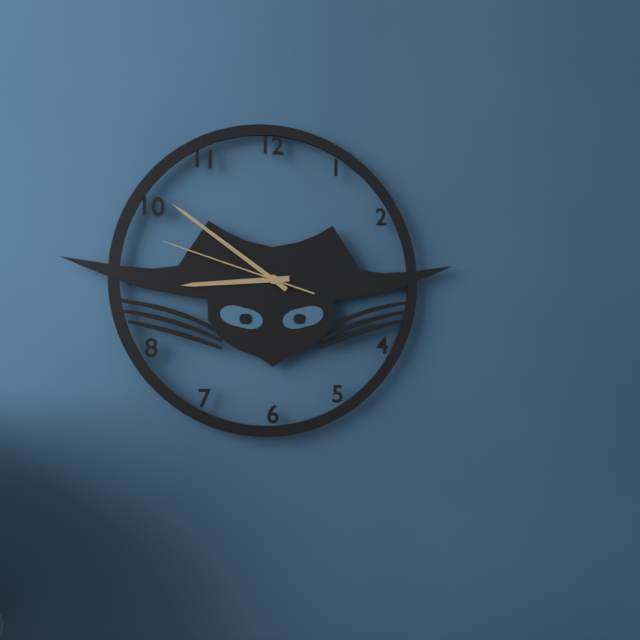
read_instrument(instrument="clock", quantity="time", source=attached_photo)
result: 8:51:48
